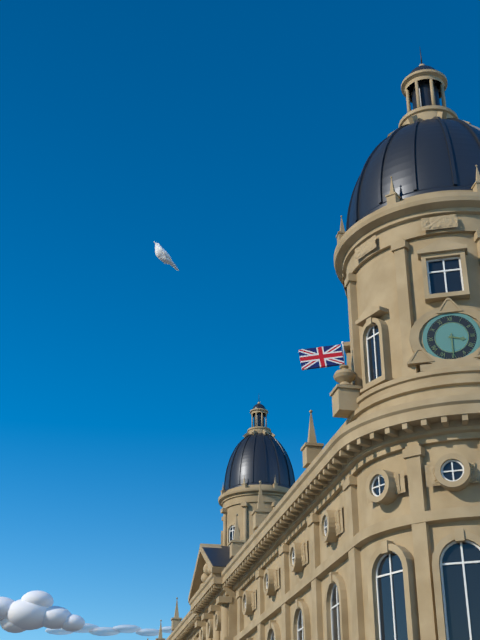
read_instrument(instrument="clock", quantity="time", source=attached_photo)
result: 3:30
